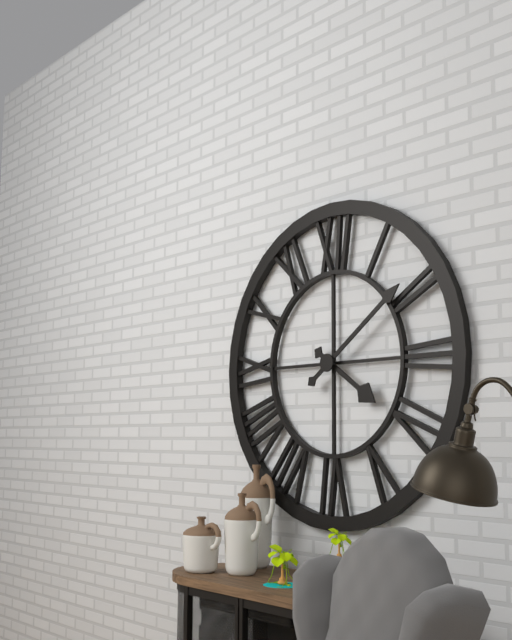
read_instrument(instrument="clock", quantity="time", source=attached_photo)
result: 4:09
